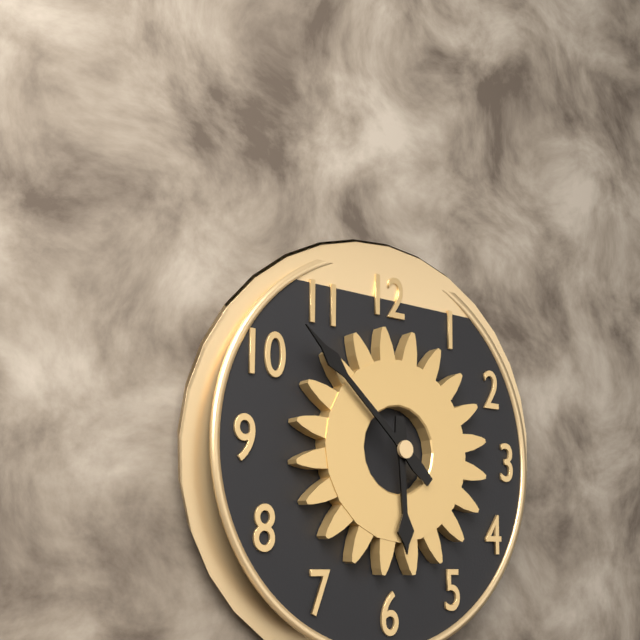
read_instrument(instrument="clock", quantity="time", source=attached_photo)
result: 5:52
